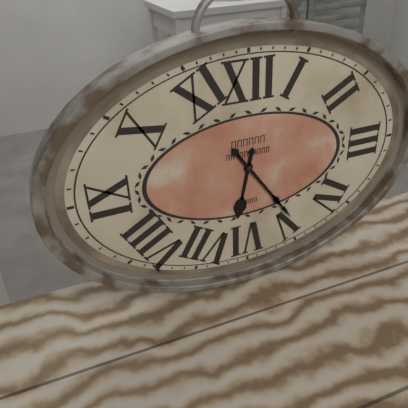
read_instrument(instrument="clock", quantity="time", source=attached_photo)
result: 6:24
